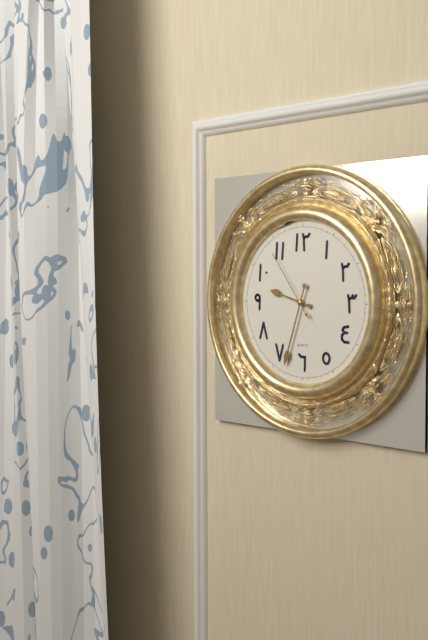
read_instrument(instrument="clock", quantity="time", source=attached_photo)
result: 9:33:54
